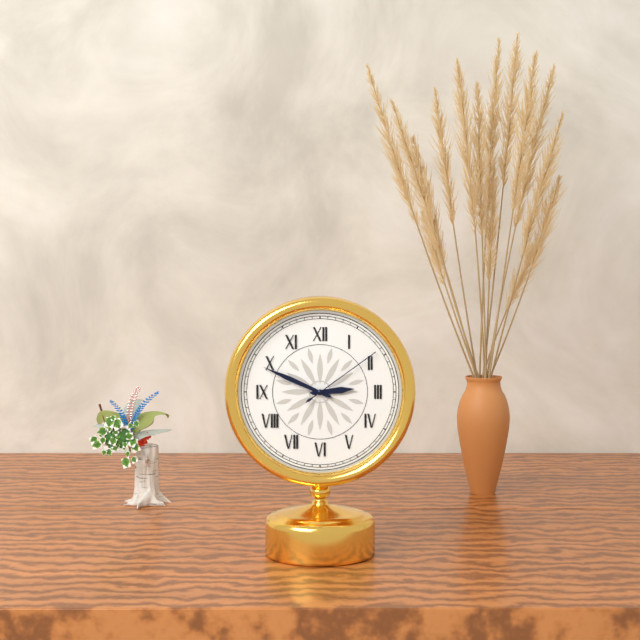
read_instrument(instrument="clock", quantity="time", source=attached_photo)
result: 2:49:09
